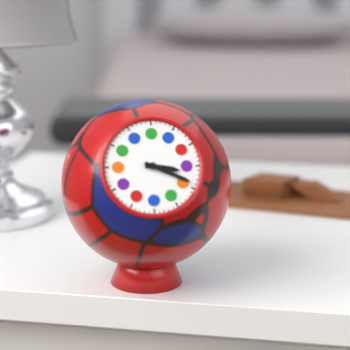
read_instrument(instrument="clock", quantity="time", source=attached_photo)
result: 3:19
